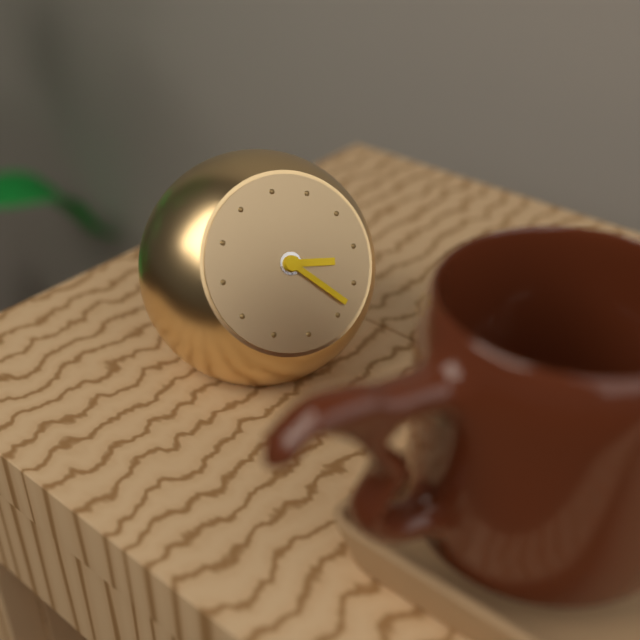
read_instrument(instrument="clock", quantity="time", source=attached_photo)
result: 3:23
